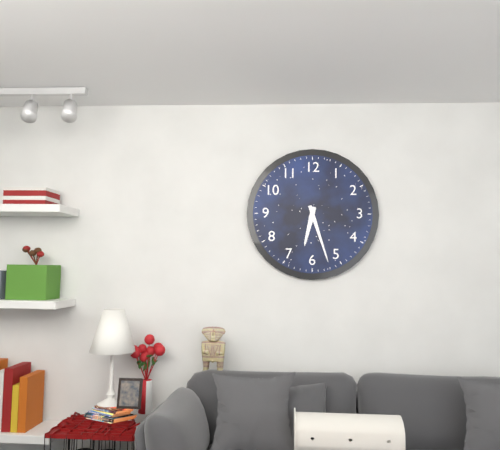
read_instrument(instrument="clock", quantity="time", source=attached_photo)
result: 6:27
